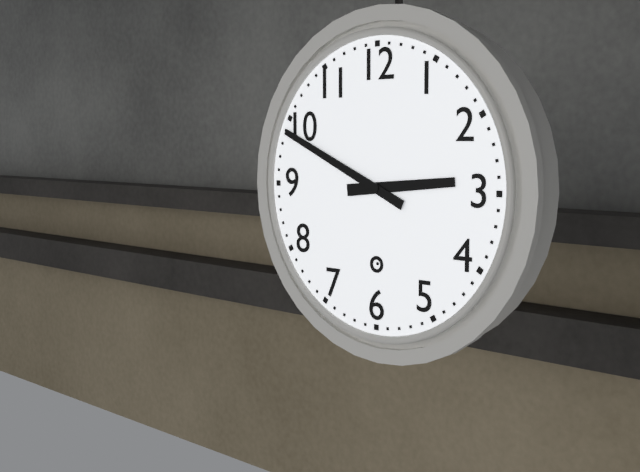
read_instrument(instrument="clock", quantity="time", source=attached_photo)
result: 2:49
